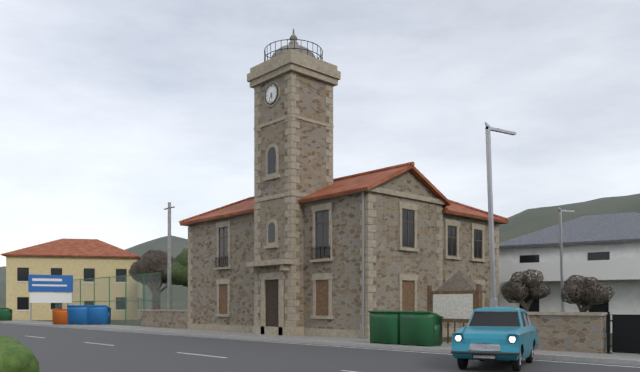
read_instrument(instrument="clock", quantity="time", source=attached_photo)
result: 5:34
